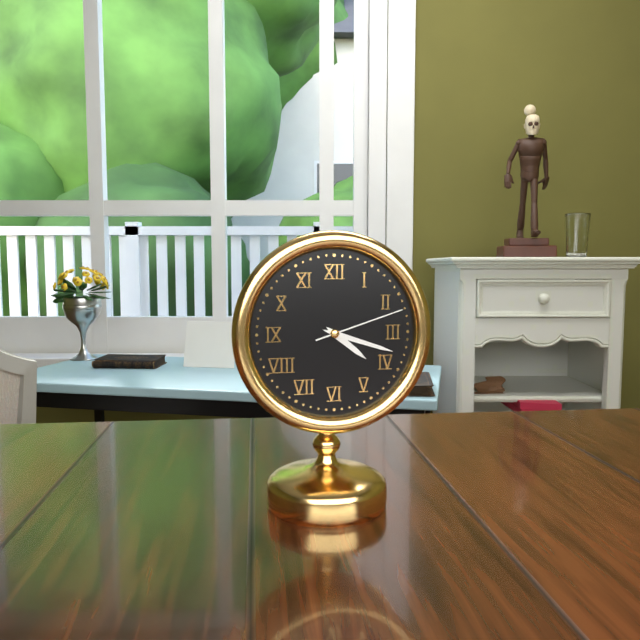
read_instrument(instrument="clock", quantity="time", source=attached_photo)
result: 4:18:12
